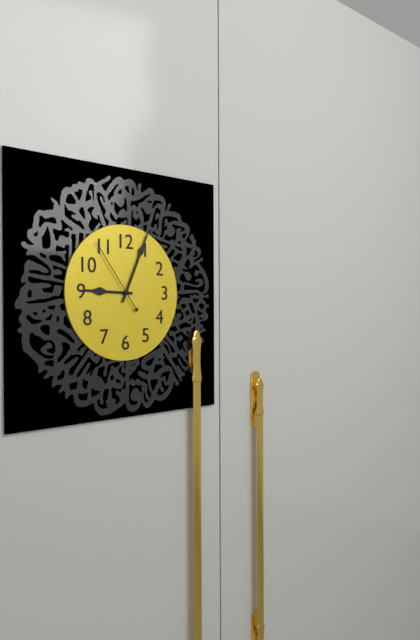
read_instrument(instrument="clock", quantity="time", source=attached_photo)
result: 9:04:54
